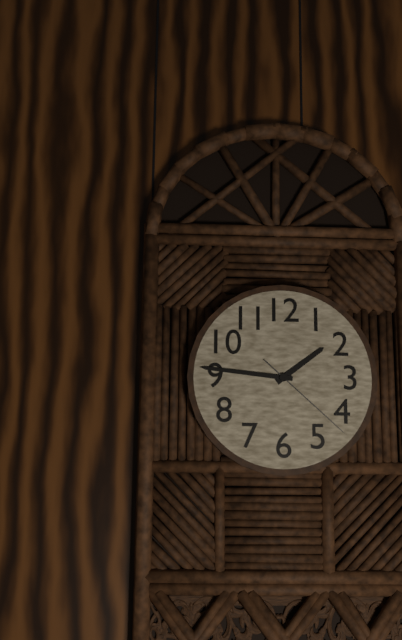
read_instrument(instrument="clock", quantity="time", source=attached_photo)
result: 1:46:22
